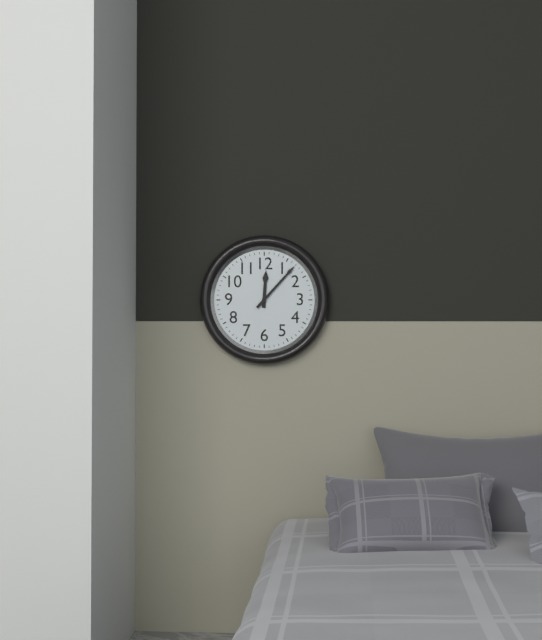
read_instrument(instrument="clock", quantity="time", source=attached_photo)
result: 12:07
